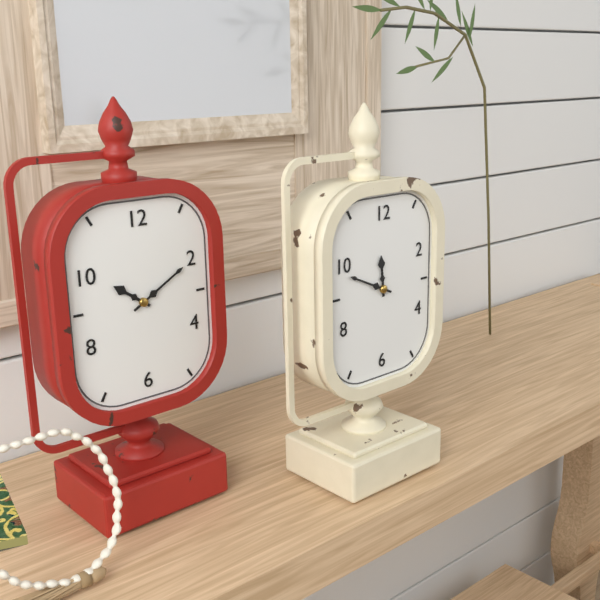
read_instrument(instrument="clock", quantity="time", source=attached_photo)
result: 11:49
